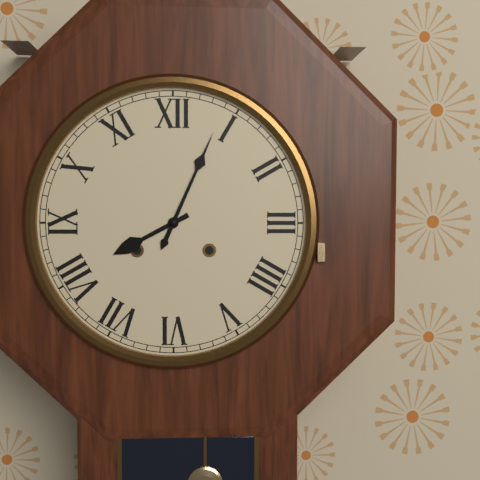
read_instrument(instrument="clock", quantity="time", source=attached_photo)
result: 8:04
